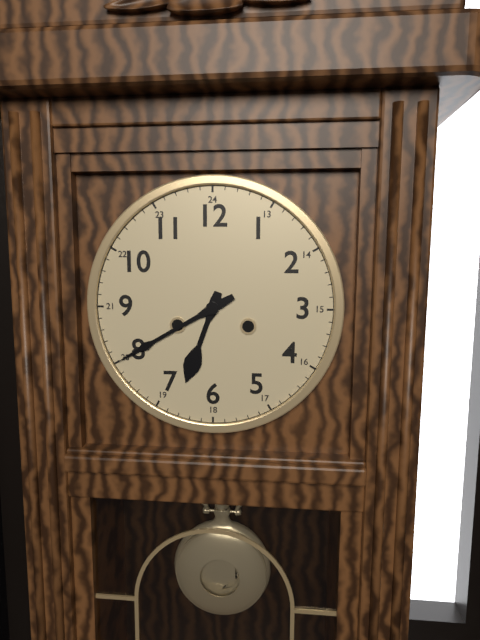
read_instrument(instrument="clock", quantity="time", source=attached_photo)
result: 6:40
